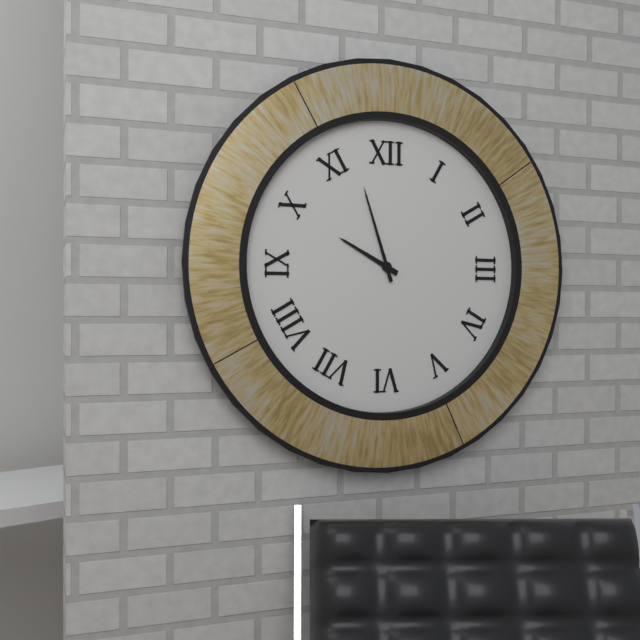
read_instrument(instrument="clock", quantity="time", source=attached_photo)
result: 9:57
